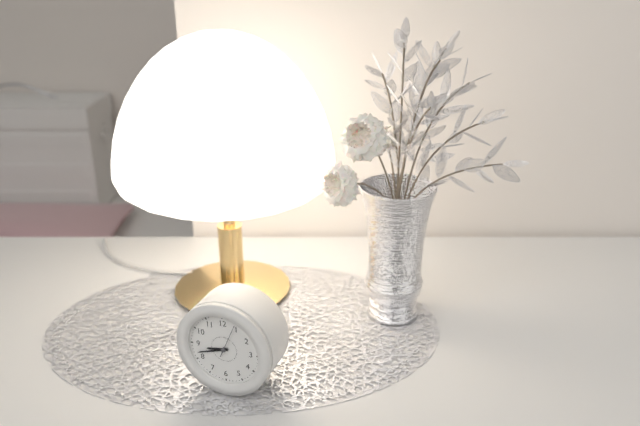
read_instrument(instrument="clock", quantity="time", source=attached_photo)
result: 8:42
